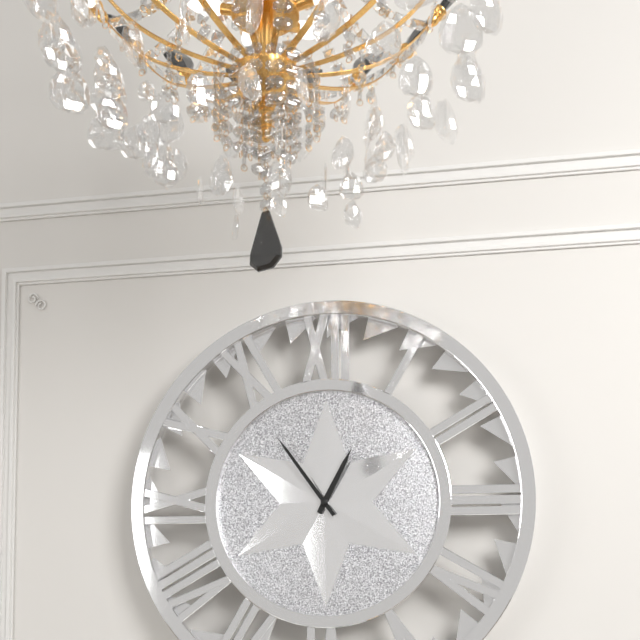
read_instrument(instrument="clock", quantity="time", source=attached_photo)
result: 12:54
